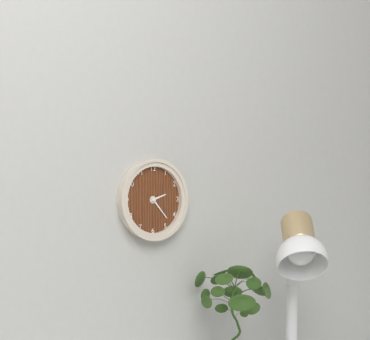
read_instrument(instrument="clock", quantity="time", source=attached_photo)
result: 2:23
